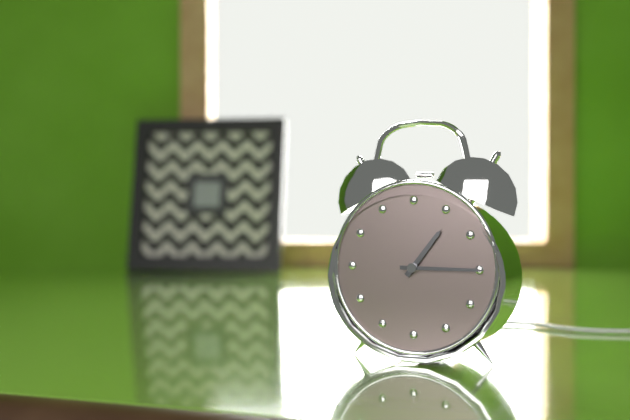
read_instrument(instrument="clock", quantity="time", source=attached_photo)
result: 1:15
